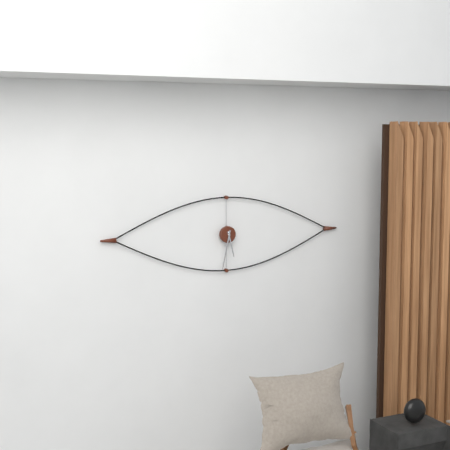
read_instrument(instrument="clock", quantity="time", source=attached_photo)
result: 5:32
